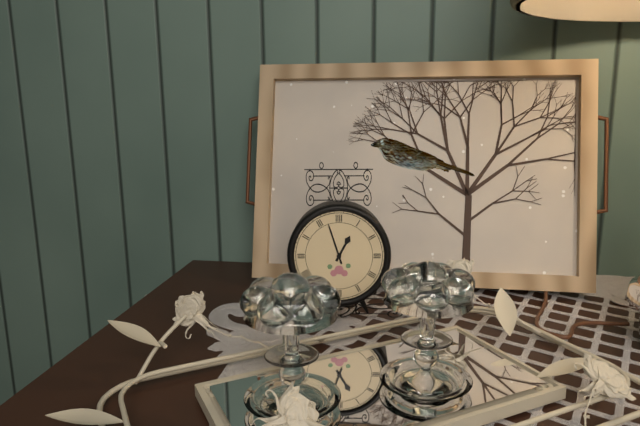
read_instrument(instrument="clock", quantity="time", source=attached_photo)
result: 12:57
